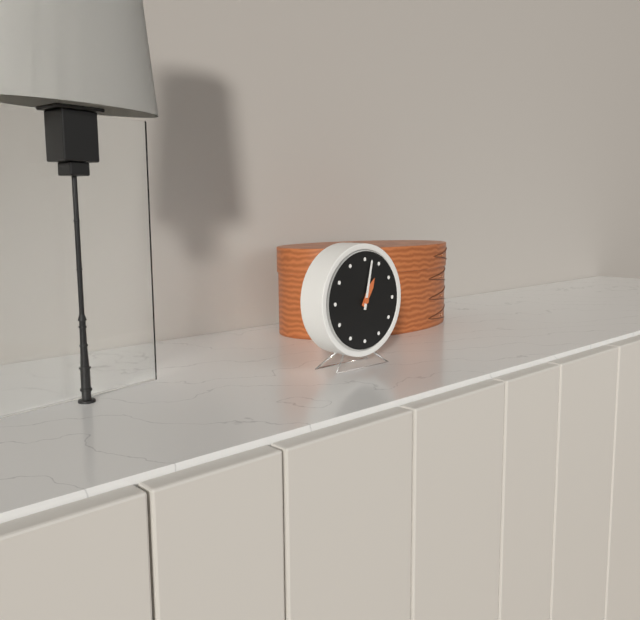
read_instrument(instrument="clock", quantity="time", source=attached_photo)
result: 1:02
